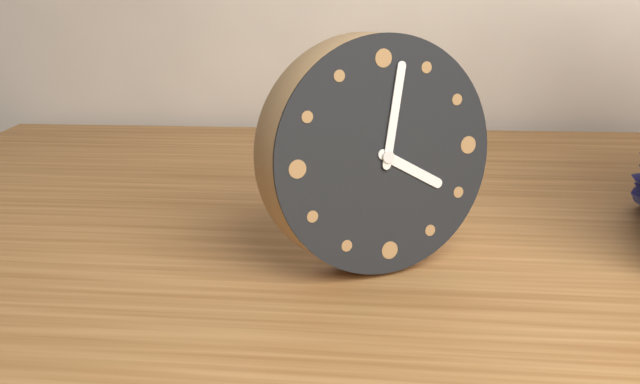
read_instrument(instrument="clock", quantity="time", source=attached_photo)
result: 4:02
